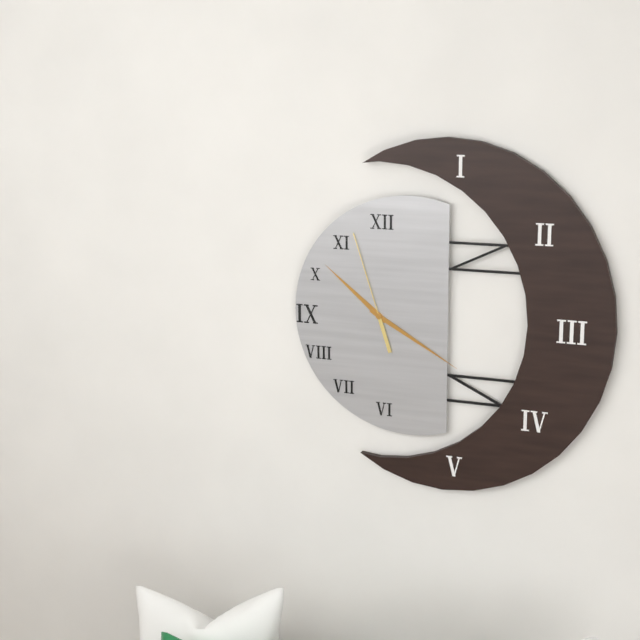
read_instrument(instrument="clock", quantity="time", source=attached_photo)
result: 10:20:57
